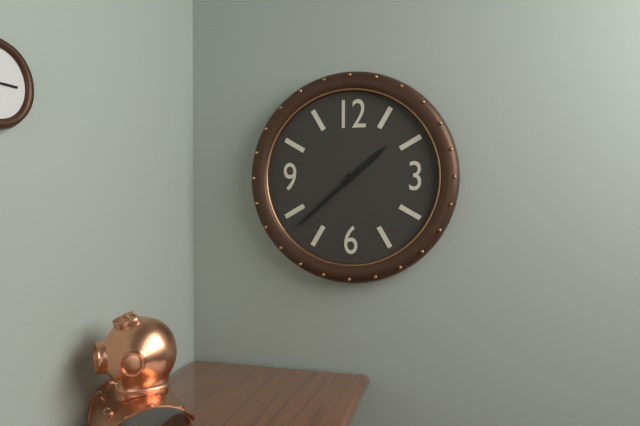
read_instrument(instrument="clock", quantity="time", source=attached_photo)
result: 1:38
